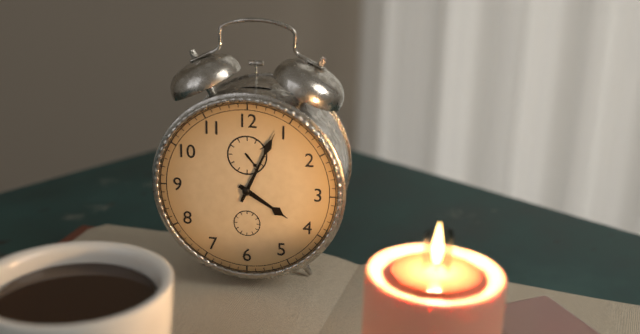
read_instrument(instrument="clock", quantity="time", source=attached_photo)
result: 4:04
